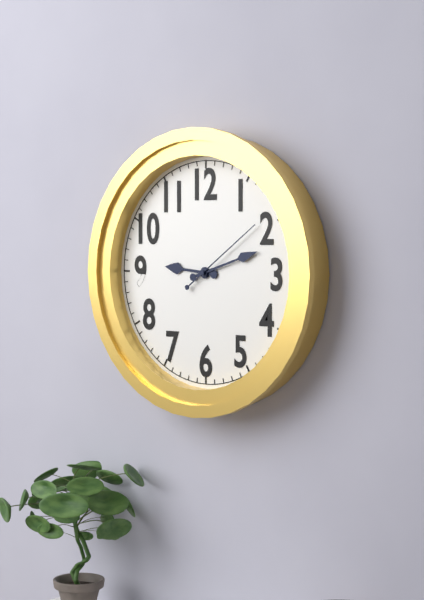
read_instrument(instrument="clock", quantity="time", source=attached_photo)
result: 9:12:09
